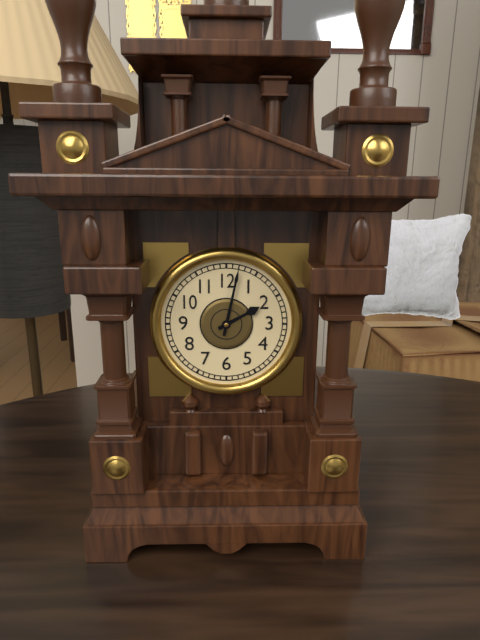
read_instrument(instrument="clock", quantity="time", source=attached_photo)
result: 2:02
